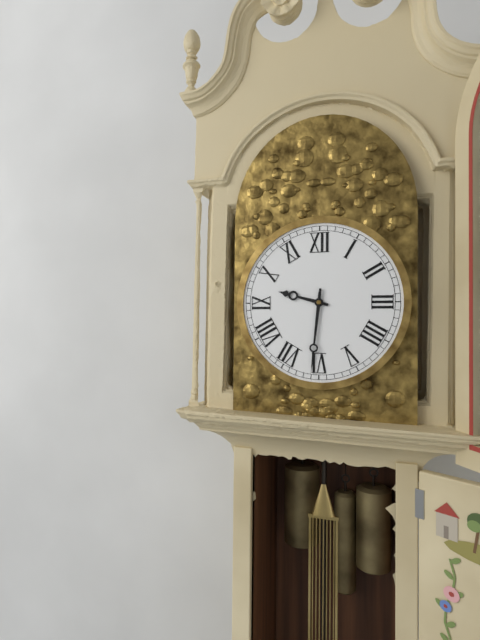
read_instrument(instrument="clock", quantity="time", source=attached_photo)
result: 9:31
